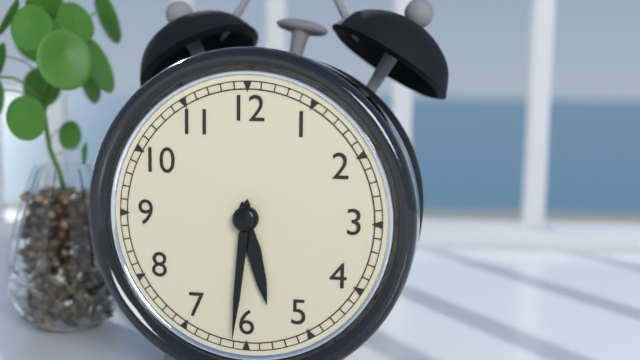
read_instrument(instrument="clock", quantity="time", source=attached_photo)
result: 5:31
